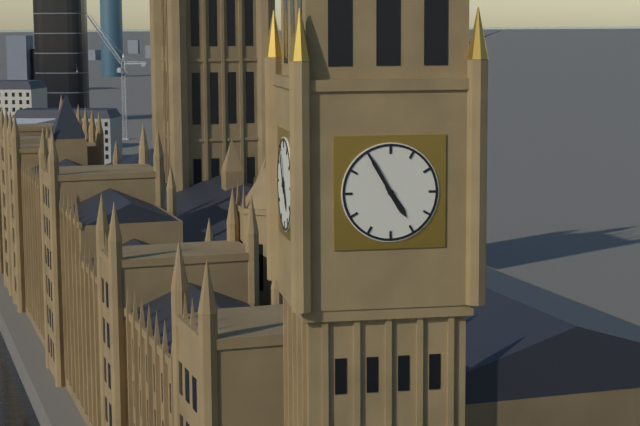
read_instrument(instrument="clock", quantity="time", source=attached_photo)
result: 4:55
